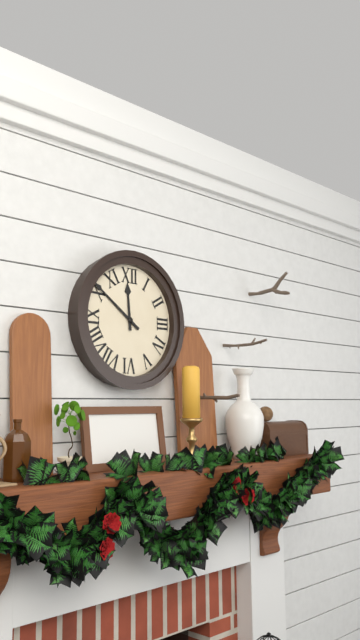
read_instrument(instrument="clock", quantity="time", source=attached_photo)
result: 11:51
